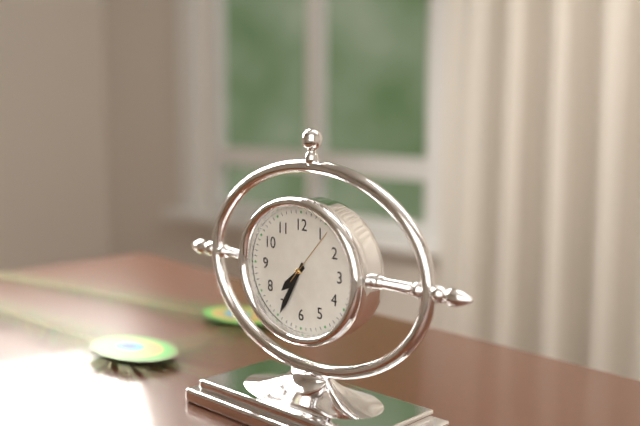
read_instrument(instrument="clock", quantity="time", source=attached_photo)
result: 7:35:07
